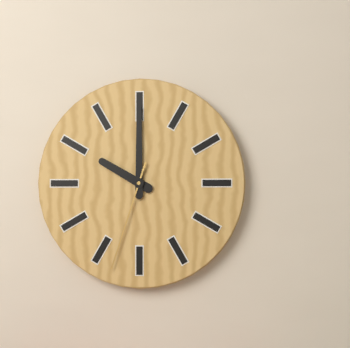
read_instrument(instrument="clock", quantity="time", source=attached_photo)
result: 10:00:33
